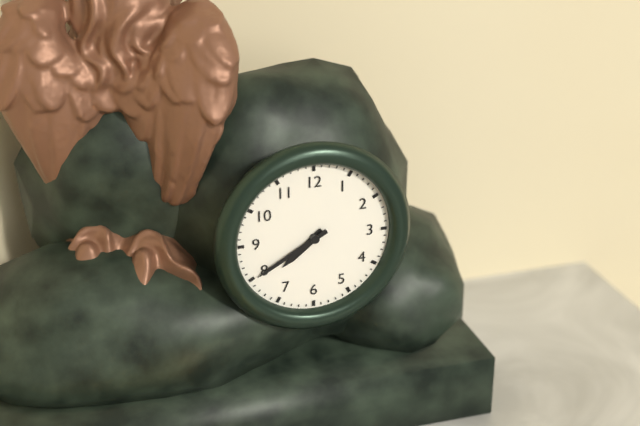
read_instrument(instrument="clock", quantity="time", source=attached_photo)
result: 7:40
